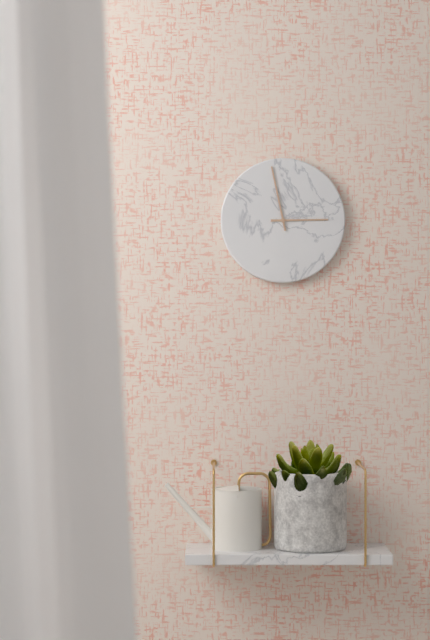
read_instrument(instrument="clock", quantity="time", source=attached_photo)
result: 2:58
